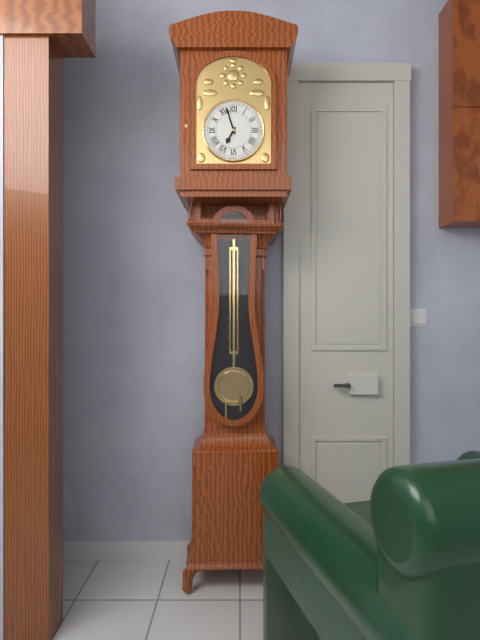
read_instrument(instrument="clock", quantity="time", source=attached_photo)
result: 6:57
